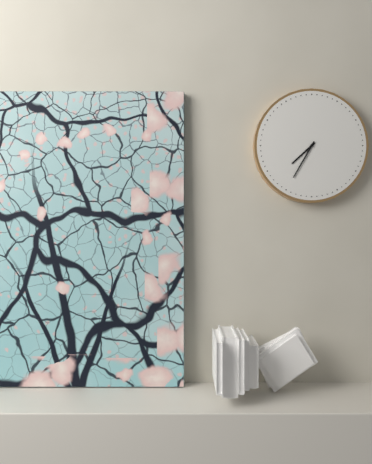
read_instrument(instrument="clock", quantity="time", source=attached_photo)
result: 7:35
